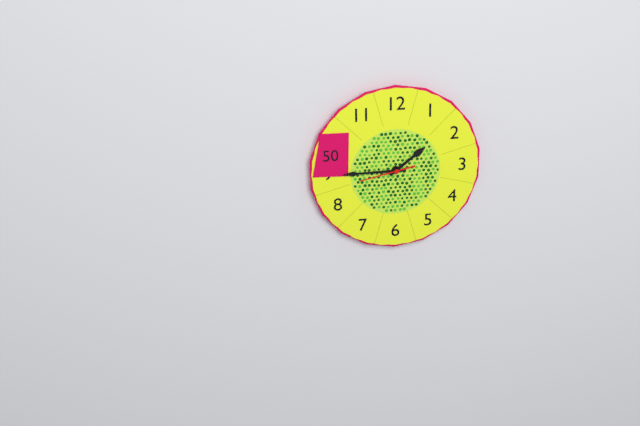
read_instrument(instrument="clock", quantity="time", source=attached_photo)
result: 1:45
